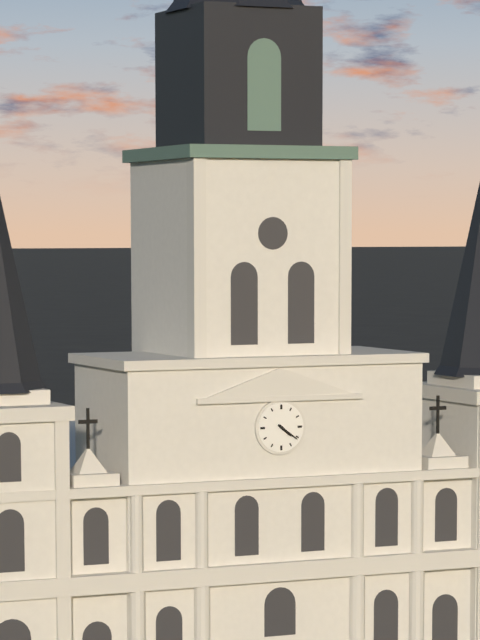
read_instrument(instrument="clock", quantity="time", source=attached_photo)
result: 4:21
